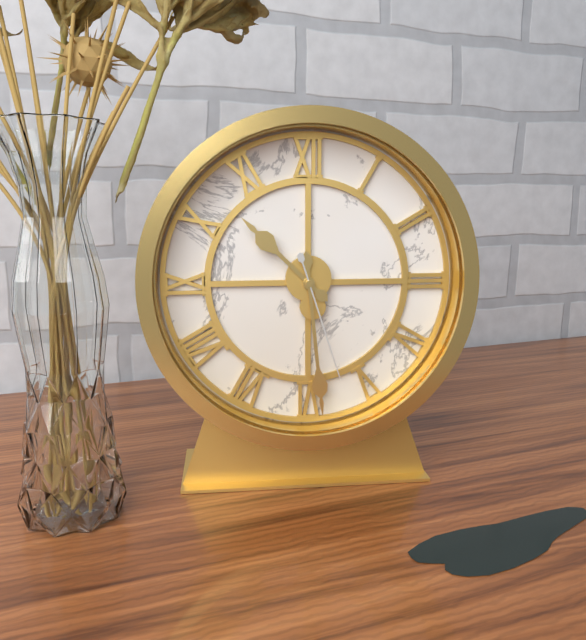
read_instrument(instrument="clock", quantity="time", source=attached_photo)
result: 10:29:27
